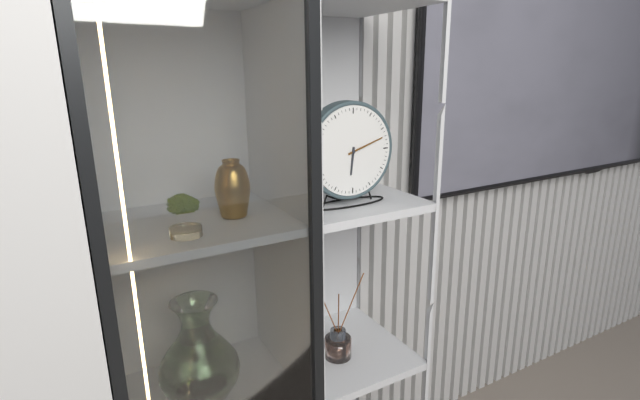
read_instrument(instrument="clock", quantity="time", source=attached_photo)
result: 6:12
